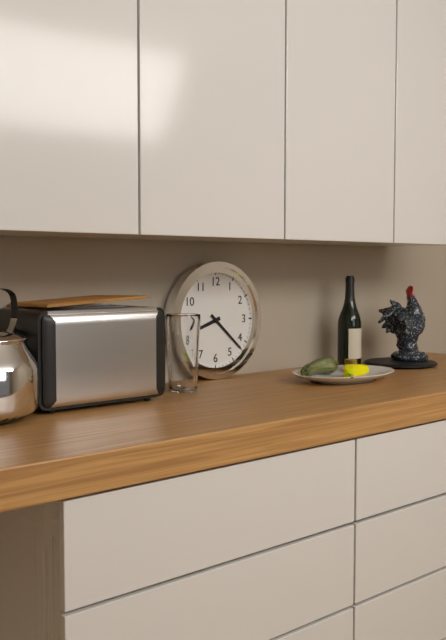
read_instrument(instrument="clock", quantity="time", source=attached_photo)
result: 8:22
